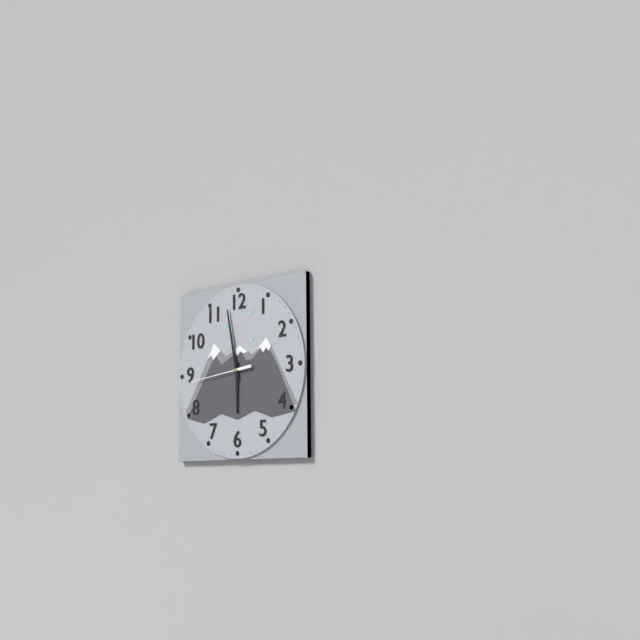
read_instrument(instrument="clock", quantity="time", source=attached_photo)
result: 5:58:44
